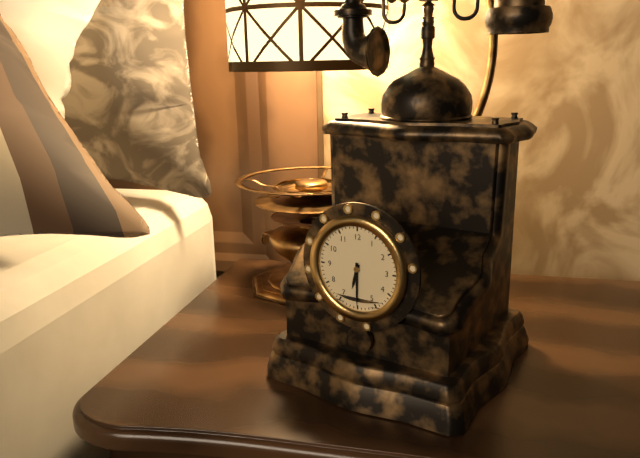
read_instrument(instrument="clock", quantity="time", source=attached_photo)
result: 6:30
